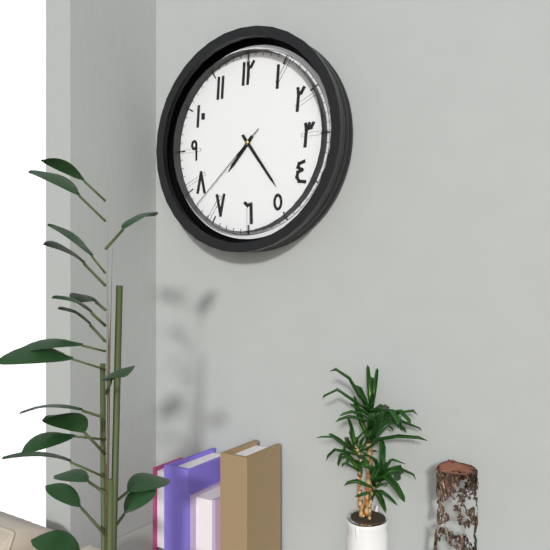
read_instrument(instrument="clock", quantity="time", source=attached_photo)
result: 7:24:38
